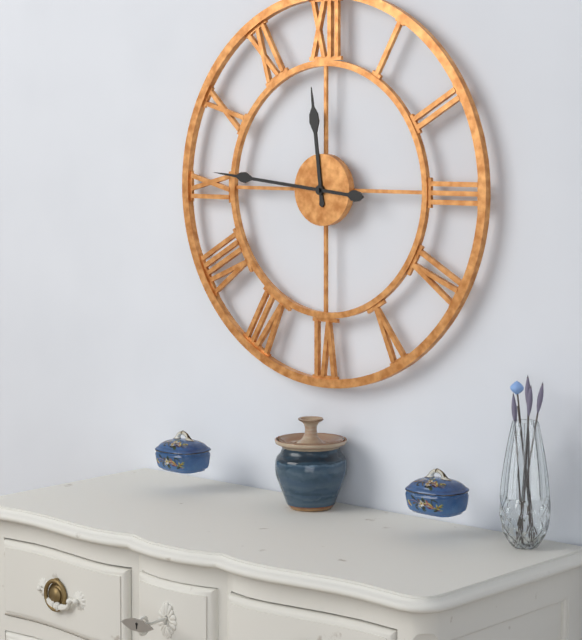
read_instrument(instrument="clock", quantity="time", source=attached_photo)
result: 11:46
